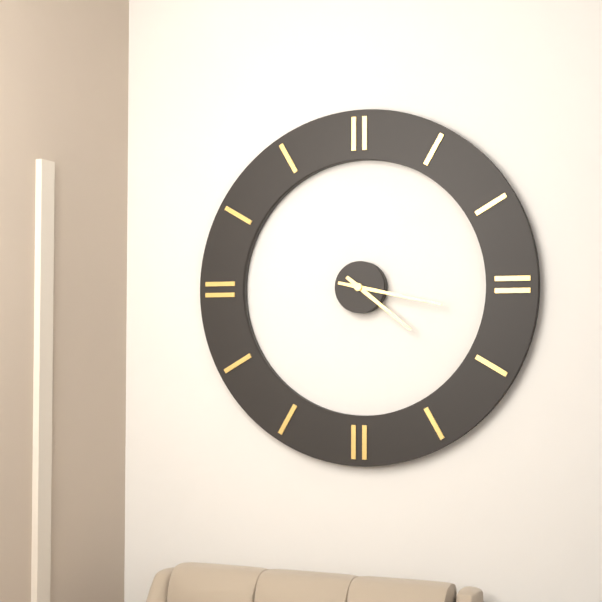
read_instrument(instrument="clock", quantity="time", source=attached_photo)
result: 4:17
